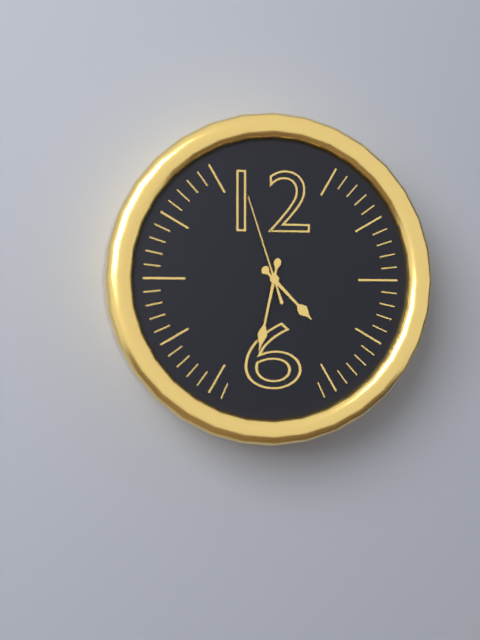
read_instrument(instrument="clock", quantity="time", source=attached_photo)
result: 4:32:57
